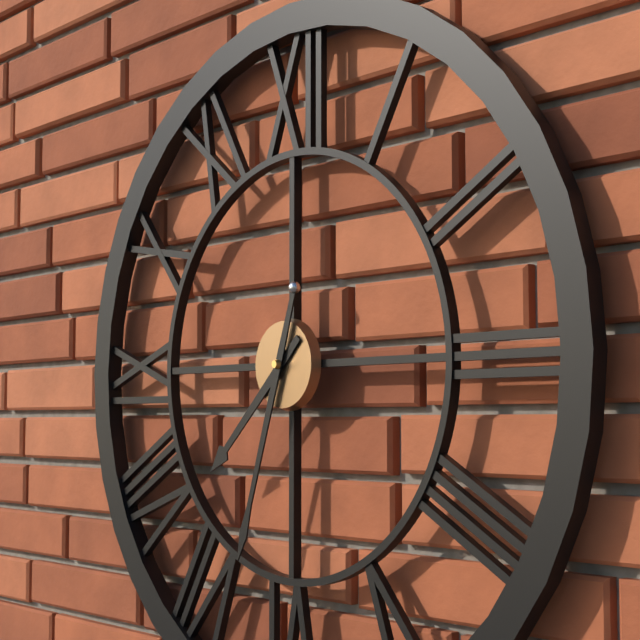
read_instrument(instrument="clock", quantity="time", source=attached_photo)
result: 7:33
